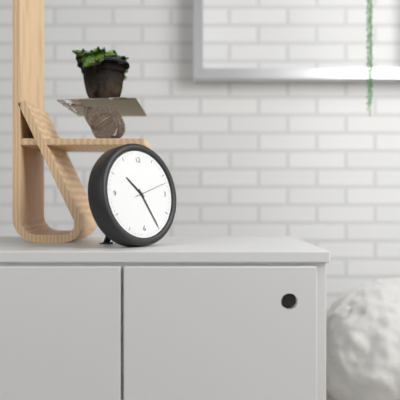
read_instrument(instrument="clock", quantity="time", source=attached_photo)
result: 10:25
